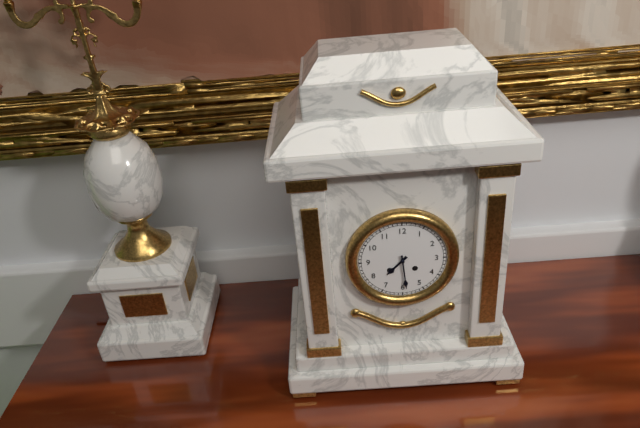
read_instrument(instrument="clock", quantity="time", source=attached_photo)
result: 7:29
